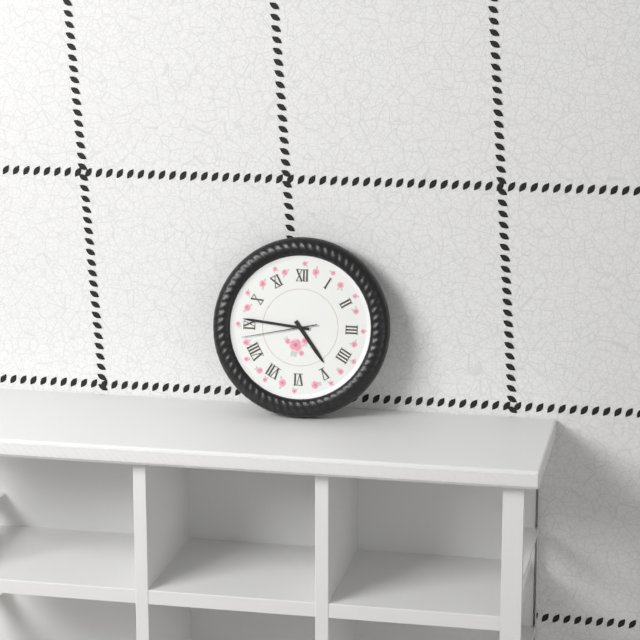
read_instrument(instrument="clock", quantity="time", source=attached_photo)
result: 4:46:43
